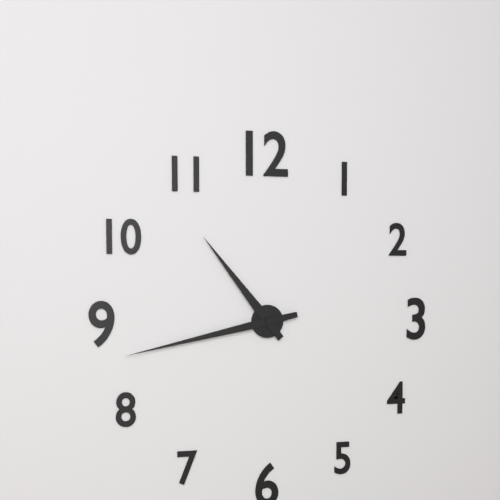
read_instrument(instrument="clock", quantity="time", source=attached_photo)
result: 10:43
